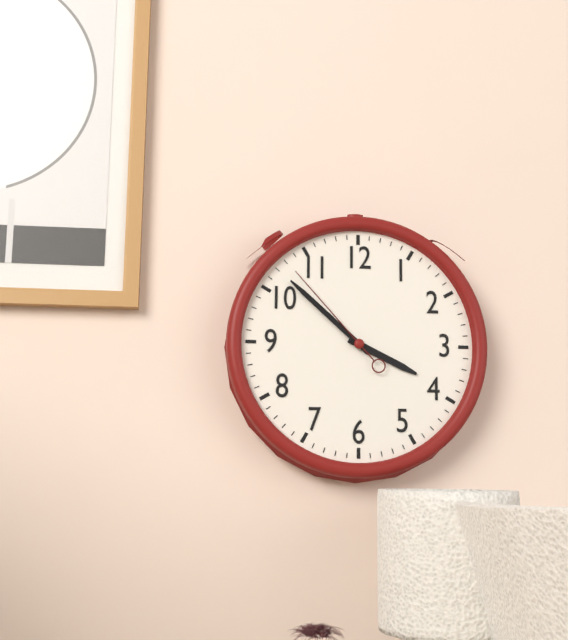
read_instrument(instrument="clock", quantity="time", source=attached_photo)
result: 3:52:53
